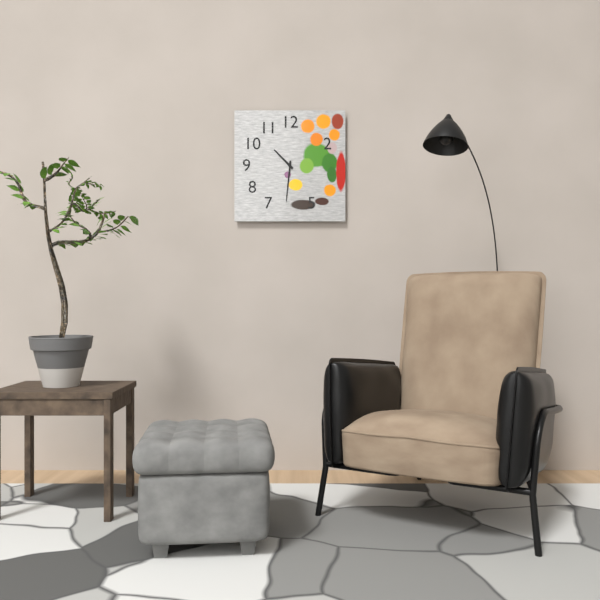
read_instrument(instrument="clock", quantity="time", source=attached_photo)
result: 10:31
